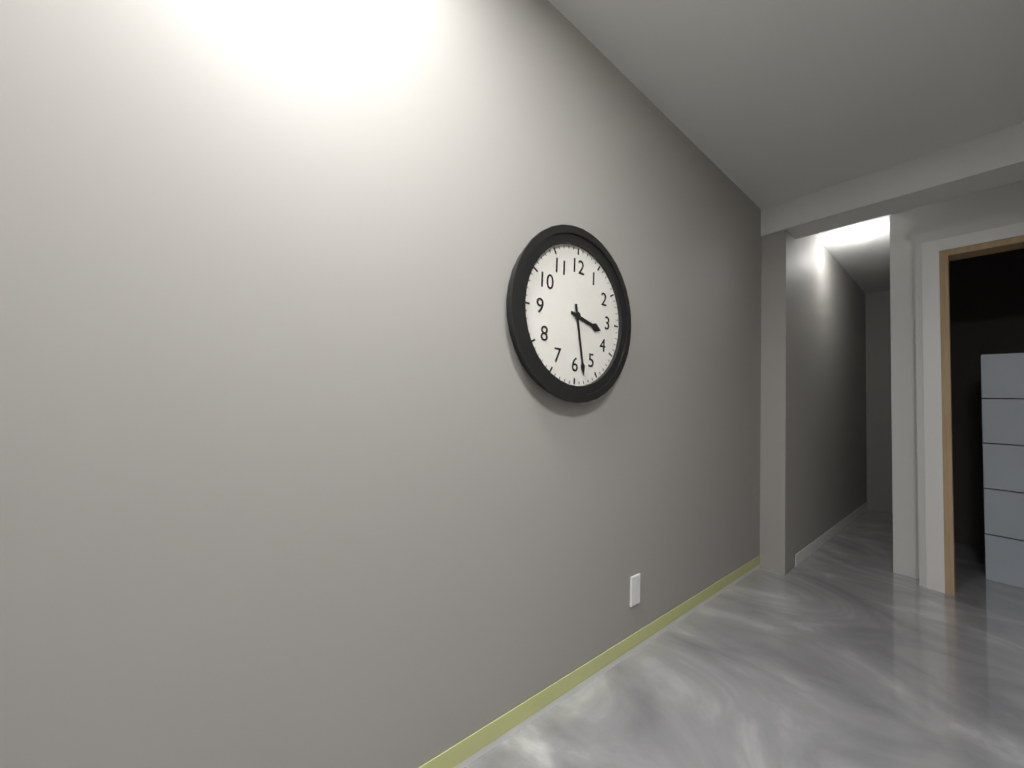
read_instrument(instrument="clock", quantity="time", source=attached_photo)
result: 3:28
